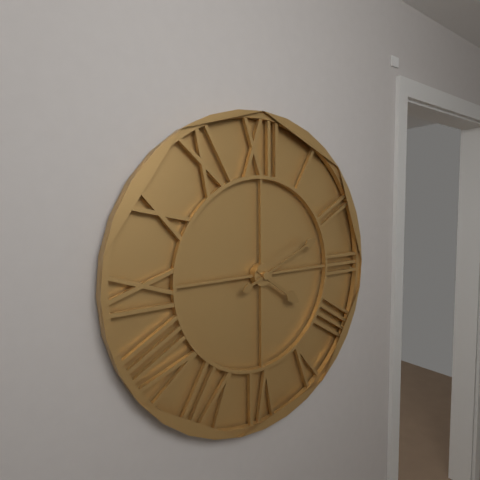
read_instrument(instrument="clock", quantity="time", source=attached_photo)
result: 4:11
